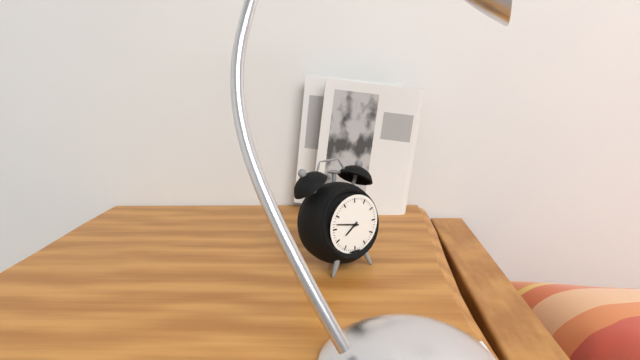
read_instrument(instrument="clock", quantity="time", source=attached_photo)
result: 7:47
